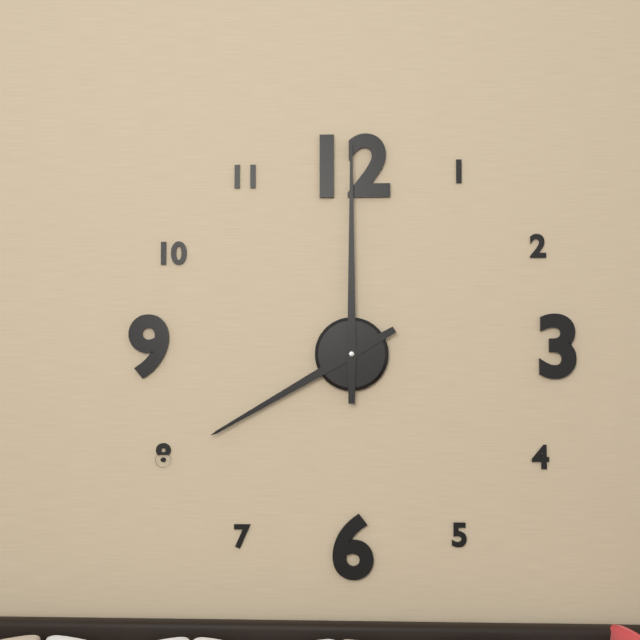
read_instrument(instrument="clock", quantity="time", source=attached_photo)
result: 8:00
